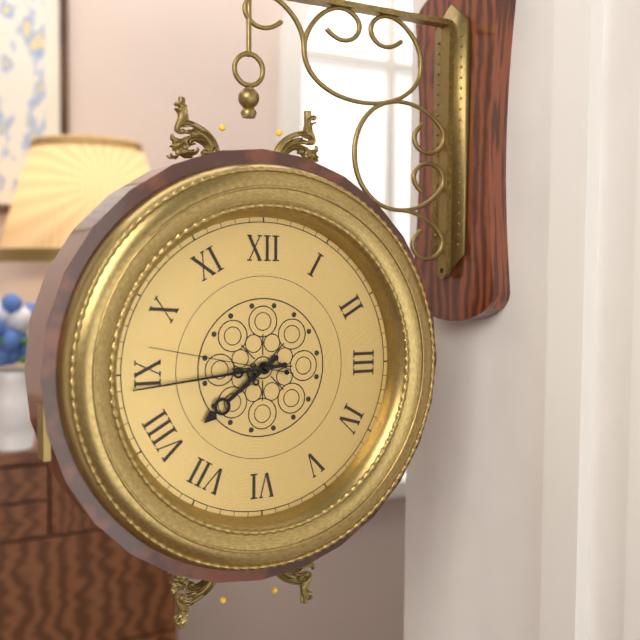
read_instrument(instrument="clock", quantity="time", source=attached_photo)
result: 7:44:47
